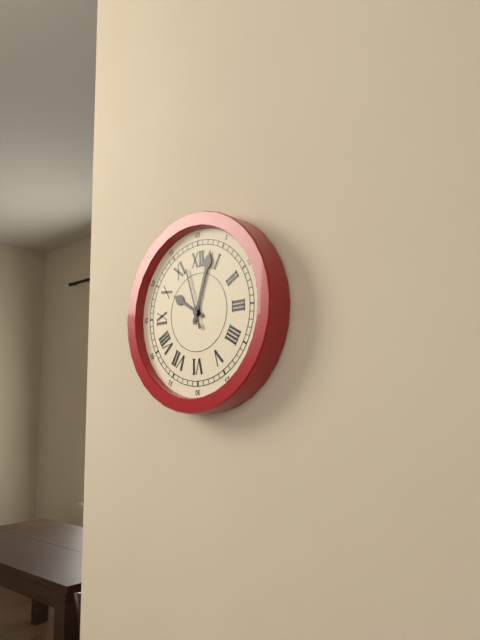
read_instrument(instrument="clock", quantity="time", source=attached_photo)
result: 10:03:57
